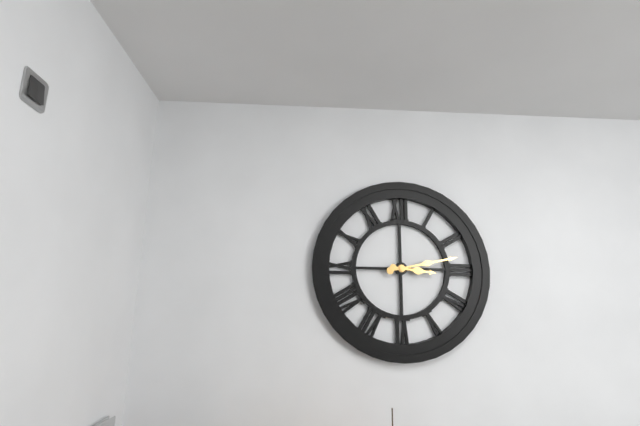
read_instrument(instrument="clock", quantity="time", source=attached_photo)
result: 3:13
